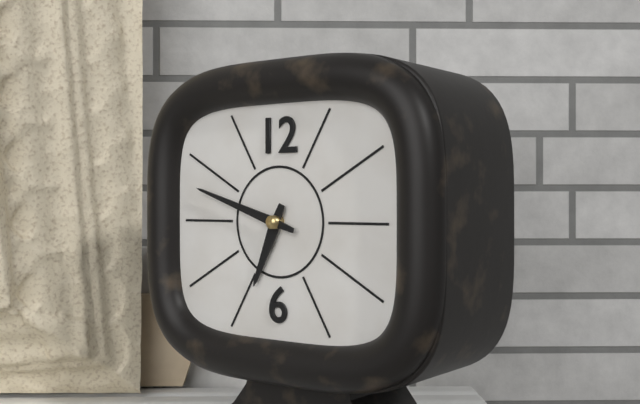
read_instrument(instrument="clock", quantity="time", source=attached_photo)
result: 6:48
